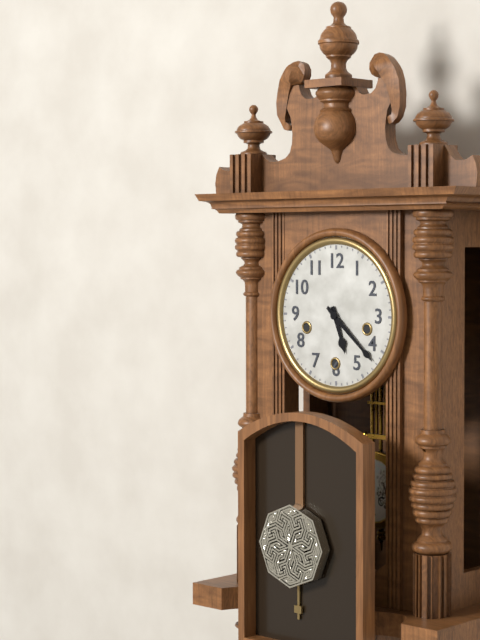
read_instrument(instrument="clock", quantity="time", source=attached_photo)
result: 5:22
